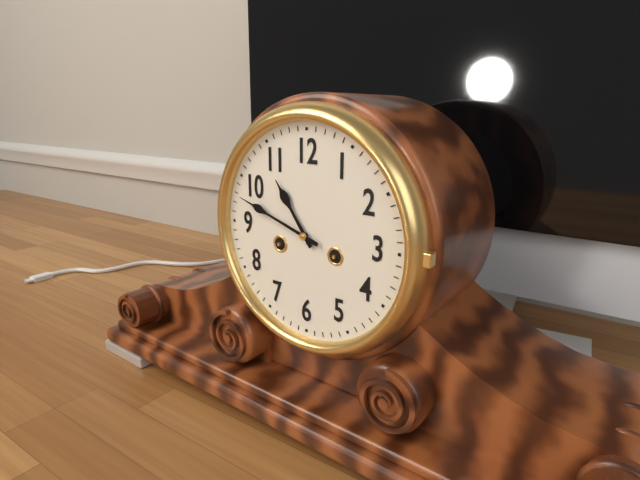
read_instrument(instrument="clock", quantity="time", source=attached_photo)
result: 10:48
